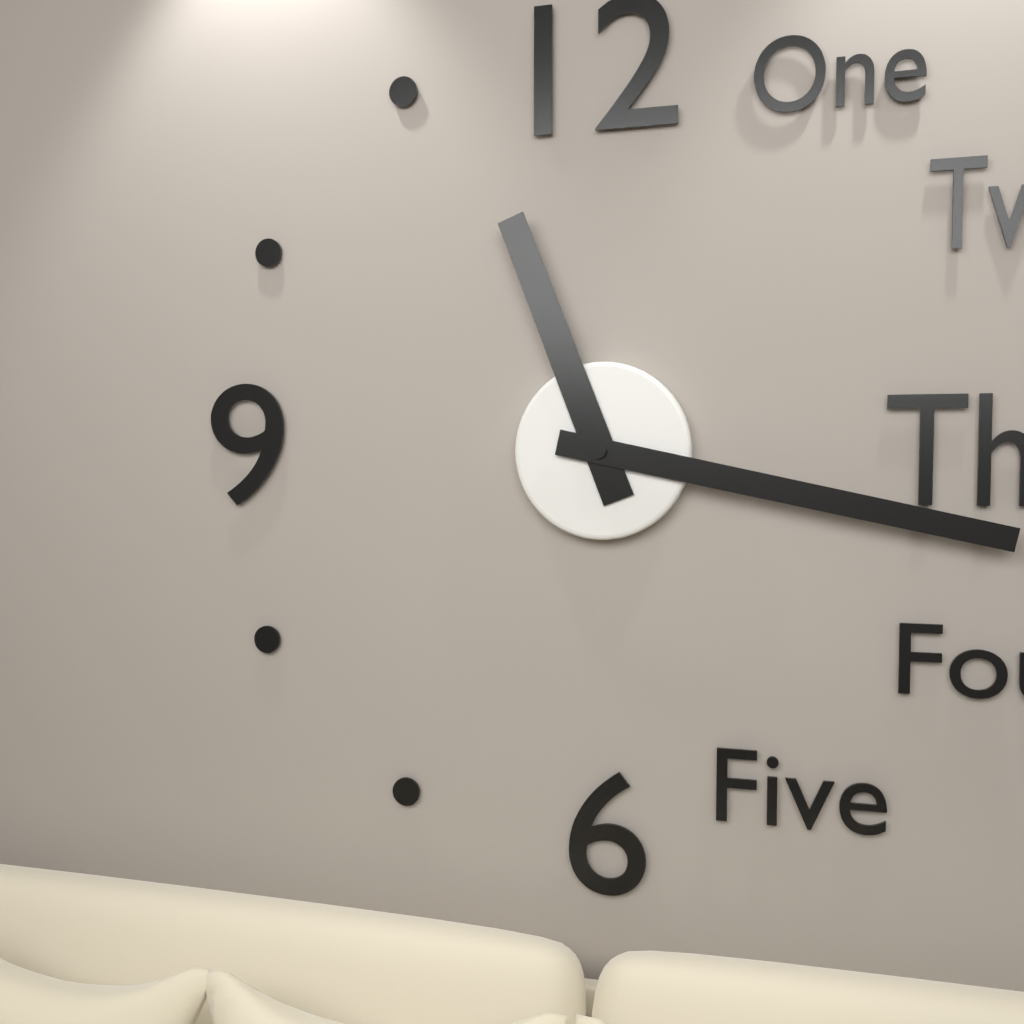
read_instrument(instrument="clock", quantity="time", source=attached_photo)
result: 11:17
